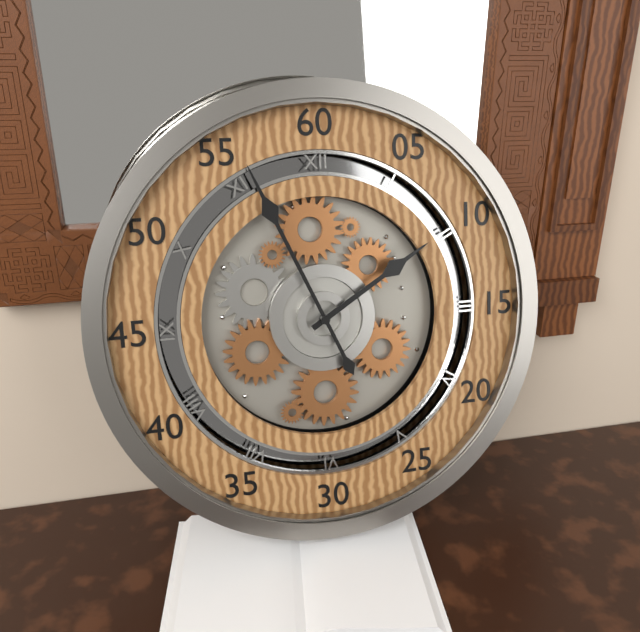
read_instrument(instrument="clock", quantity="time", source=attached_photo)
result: 1:56
